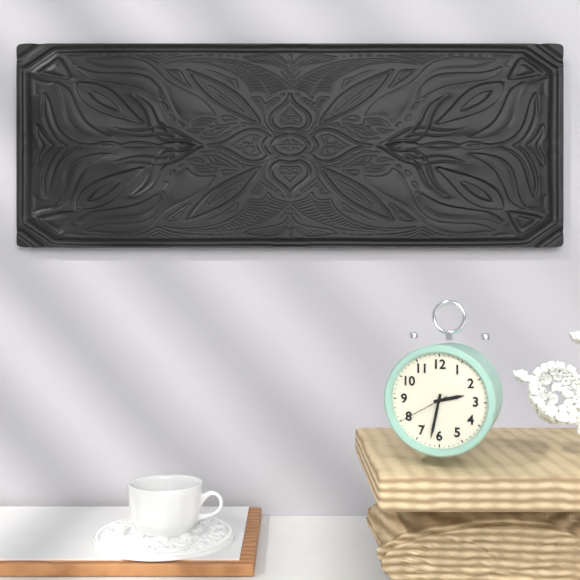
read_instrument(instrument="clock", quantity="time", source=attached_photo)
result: 2:32:40
